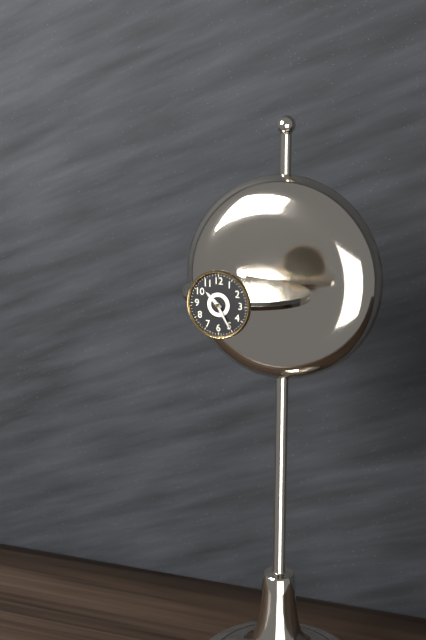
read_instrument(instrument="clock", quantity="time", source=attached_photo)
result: 10:25
